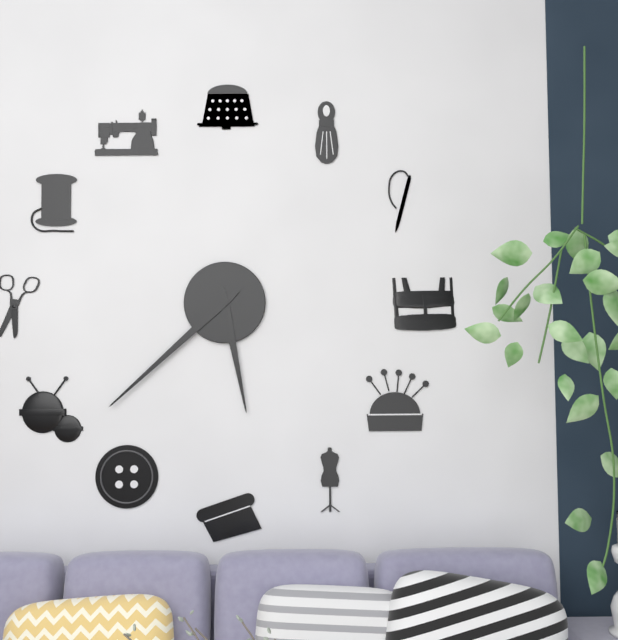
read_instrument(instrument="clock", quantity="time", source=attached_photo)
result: 5:38
